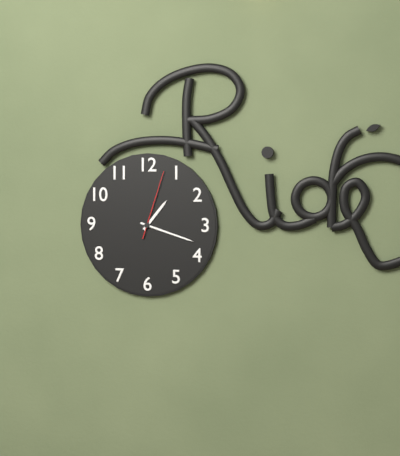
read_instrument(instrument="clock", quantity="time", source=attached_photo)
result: 1:18:03
